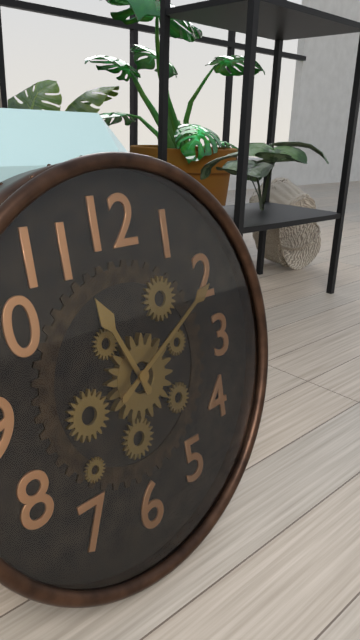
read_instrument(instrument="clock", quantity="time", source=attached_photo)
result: 11:10
